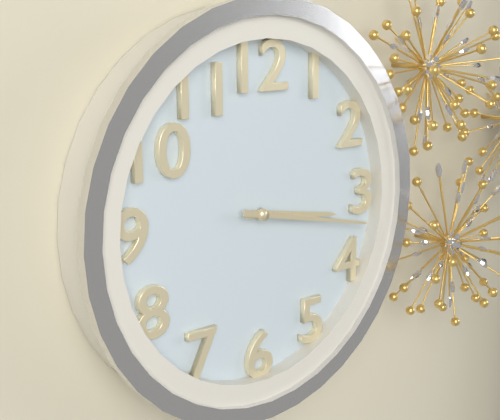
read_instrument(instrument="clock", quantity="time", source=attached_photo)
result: 3:17
